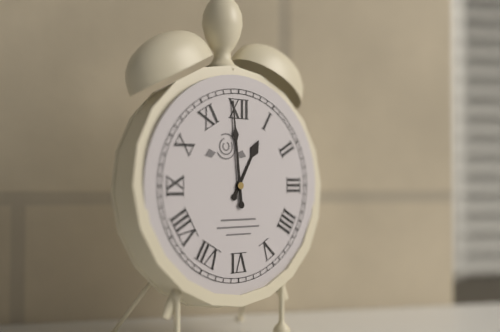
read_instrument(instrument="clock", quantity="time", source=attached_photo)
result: 12:59
